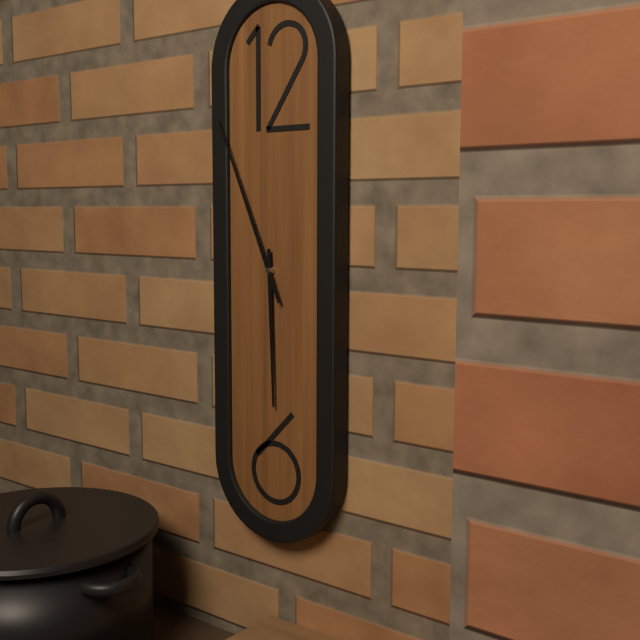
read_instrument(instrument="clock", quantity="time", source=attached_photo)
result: 5:56
